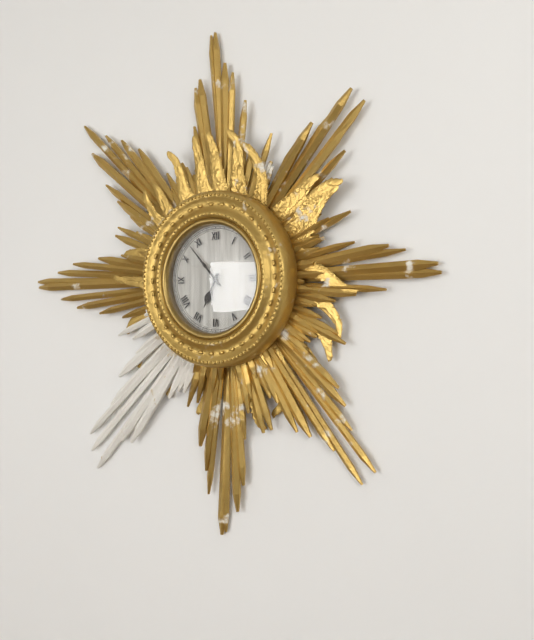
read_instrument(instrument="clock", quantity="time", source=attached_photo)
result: 6:53
